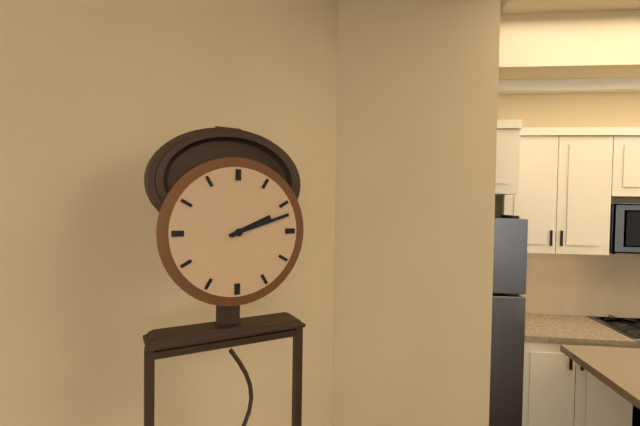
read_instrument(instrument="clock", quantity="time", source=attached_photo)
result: 2:12
